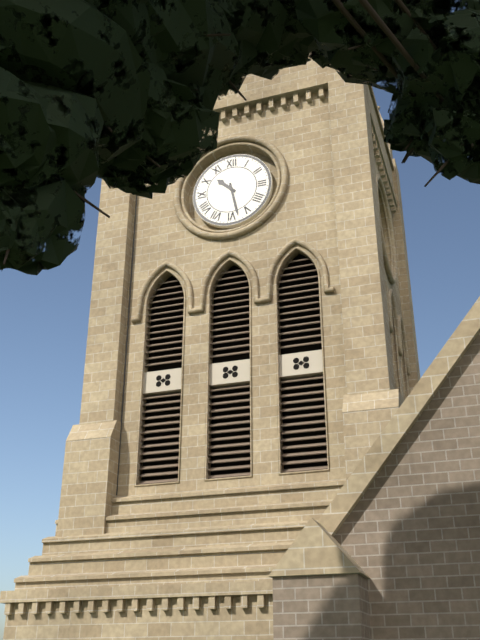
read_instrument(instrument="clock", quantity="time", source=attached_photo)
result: 10:28
